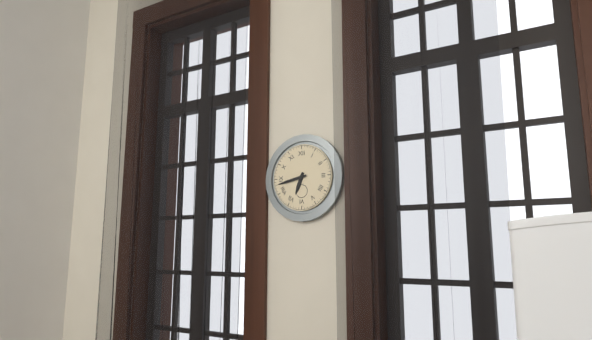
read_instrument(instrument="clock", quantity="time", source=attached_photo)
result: 6:43
